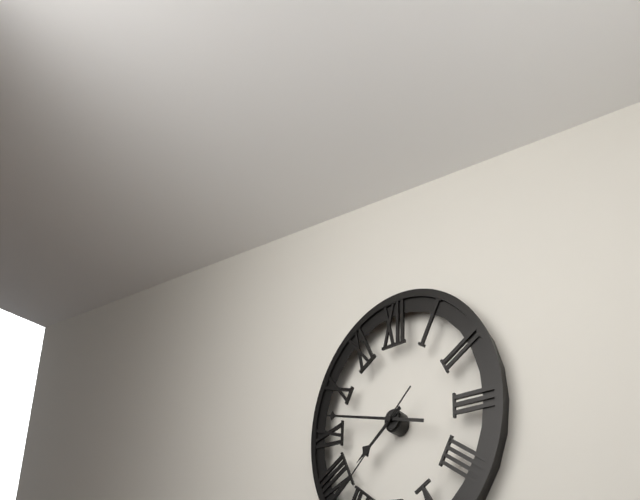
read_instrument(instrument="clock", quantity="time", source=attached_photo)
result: 7:47
